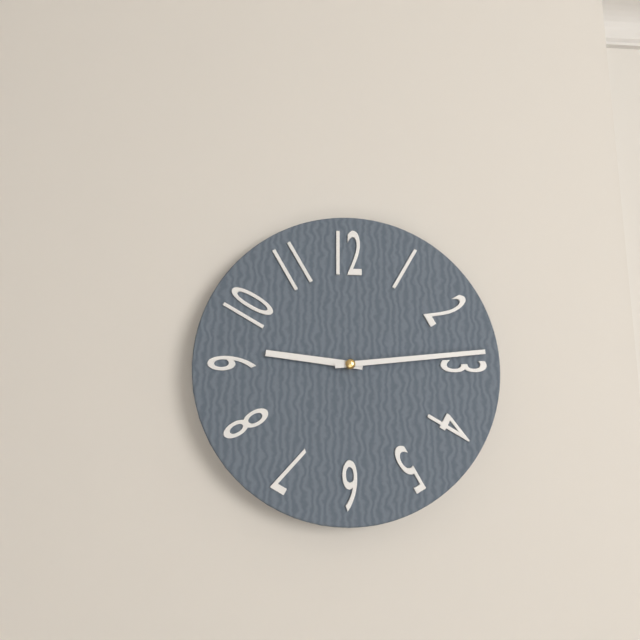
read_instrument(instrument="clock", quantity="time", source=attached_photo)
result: 9:14
